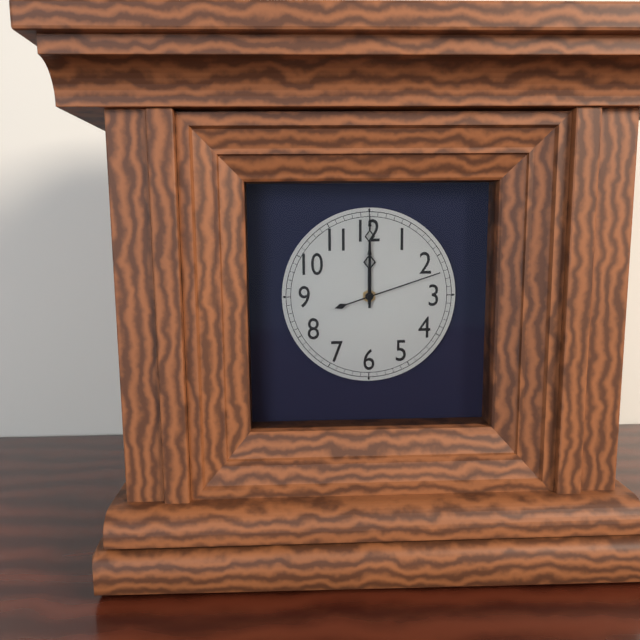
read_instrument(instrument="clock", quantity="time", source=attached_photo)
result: 12:00:12
